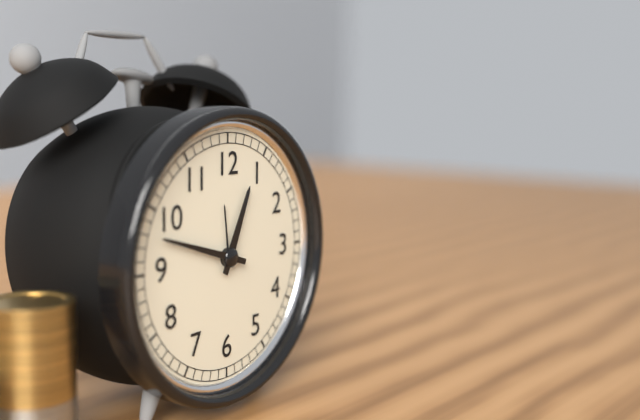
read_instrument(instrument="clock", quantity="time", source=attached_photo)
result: 12:48
